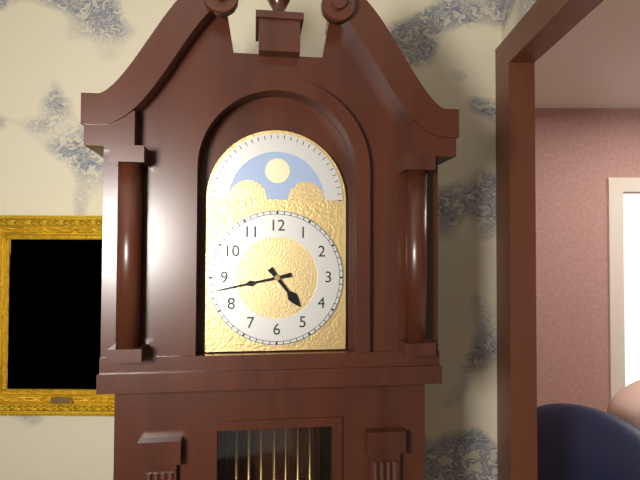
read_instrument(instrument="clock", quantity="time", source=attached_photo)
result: 4:43
